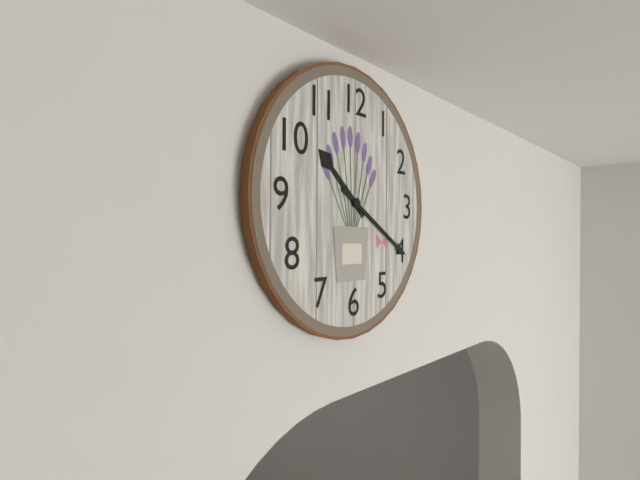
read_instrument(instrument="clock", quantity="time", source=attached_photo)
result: 10:20
